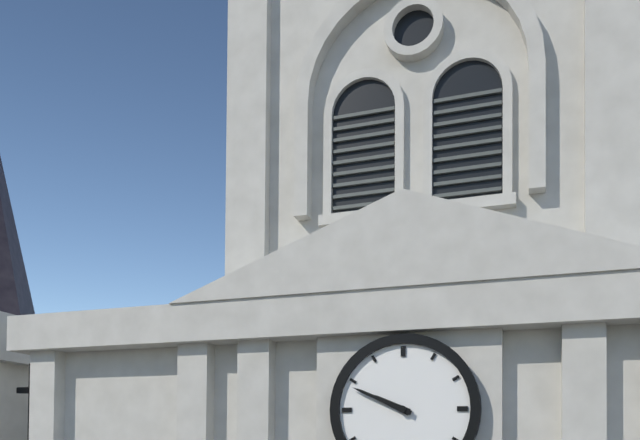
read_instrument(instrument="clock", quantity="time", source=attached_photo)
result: 9:49
